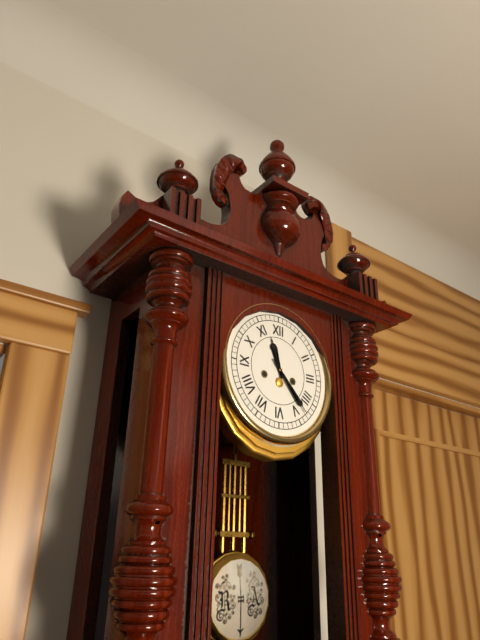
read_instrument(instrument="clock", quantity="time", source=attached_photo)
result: 11:23
